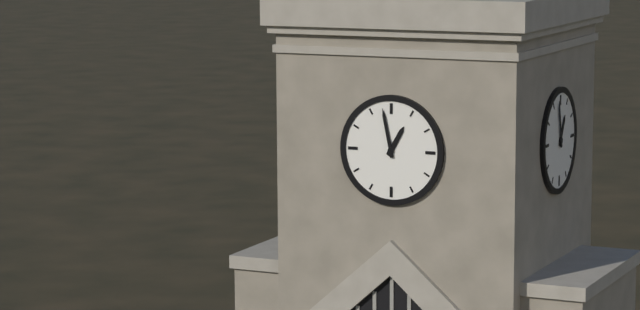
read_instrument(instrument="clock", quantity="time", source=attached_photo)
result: 12:58
